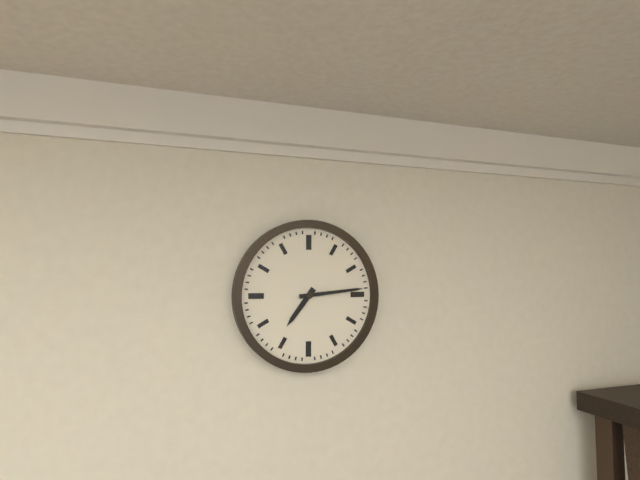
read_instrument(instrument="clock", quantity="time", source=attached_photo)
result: 7:14
